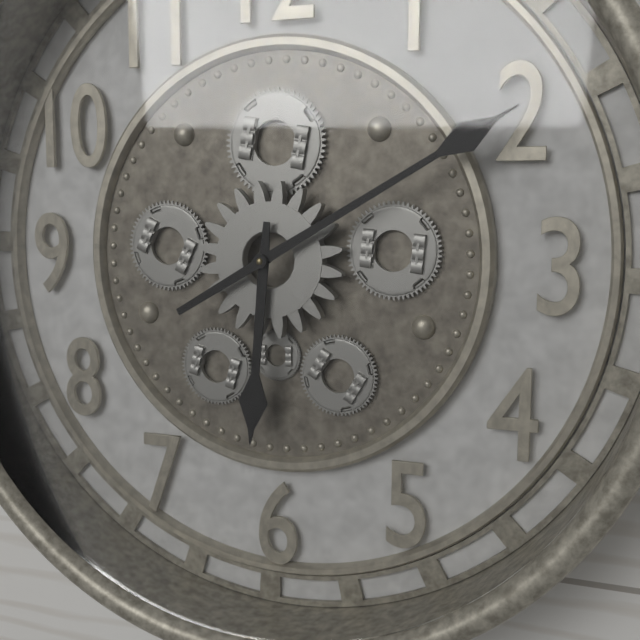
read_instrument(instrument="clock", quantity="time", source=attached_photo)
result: 6:10
